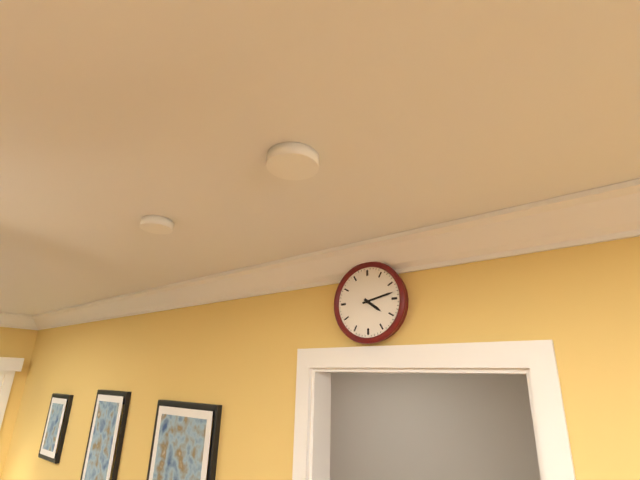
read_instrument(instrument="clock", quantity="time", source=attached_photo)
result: 4:13
